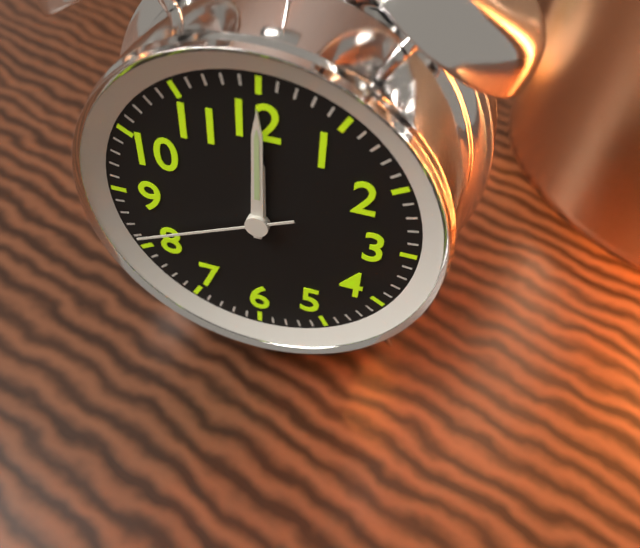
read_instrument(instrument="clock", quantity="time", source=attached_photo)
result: 12:00:41
